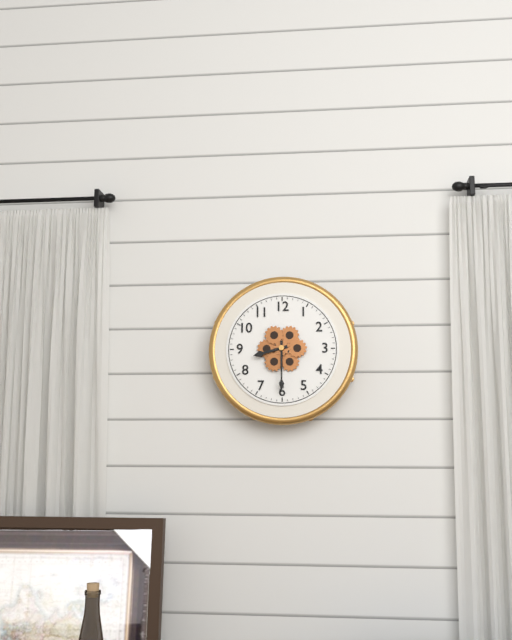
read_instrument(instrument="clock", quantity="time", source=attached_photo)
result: 8:30
